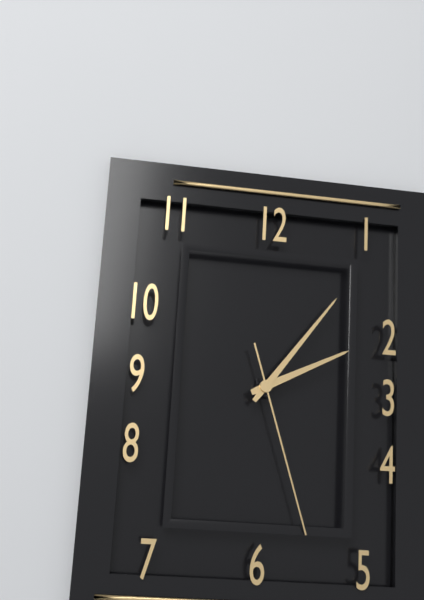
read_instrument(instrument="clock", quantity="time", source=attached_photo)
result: 2:06:27
